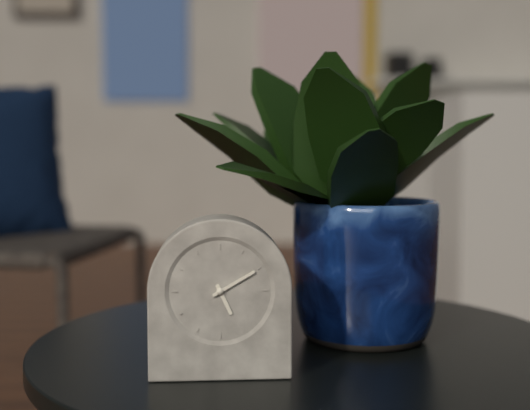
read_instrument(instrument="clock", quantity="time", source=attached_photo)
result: 5:10
